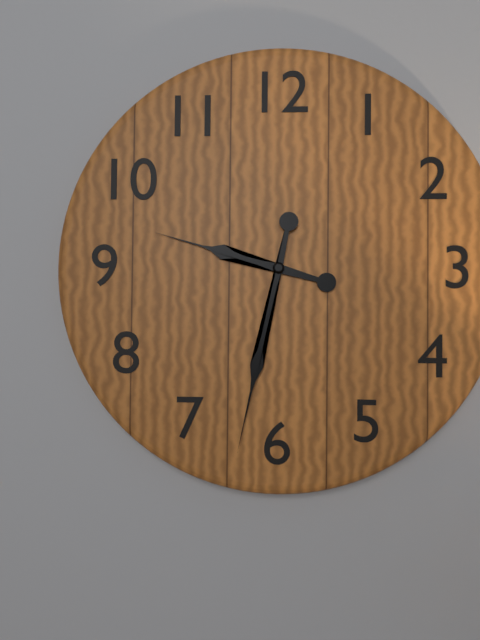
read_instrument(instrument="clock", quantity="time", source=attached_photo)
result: 9:32
